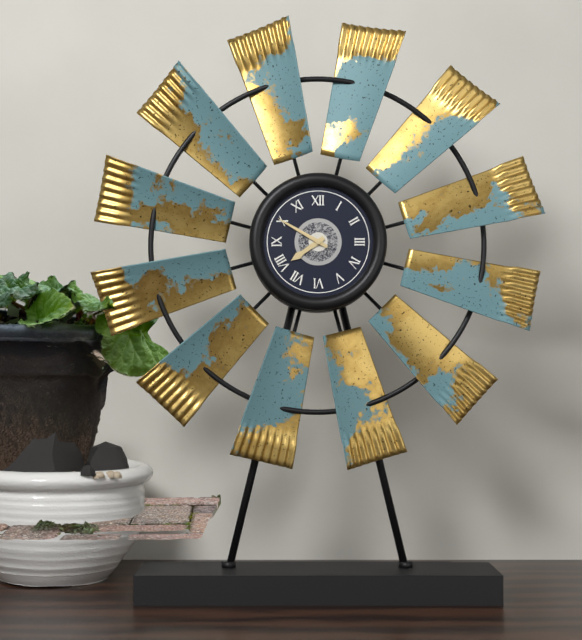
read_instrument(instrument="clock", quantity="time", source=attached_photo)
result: 7:50
